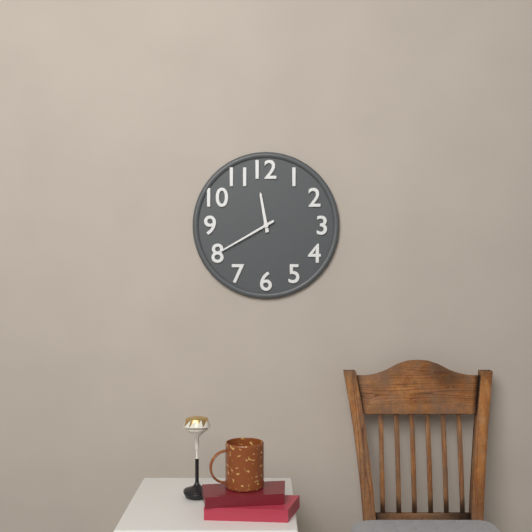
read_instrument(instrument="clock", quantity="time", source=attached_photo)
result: 11:40
